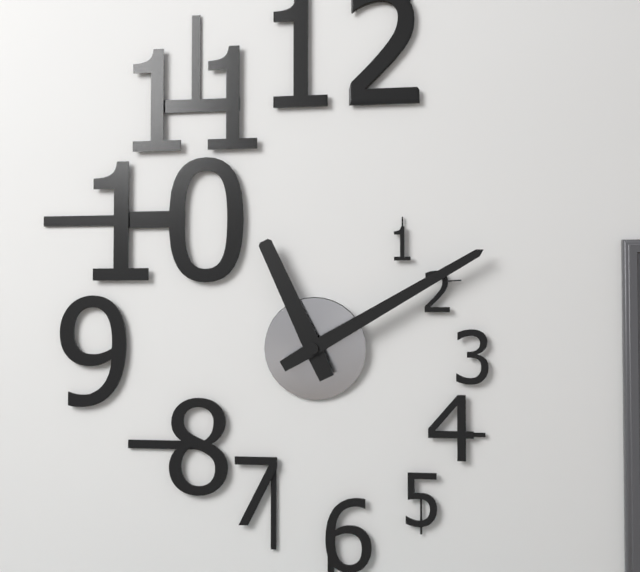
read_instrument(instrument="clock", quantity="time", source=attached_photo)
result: 11:10
